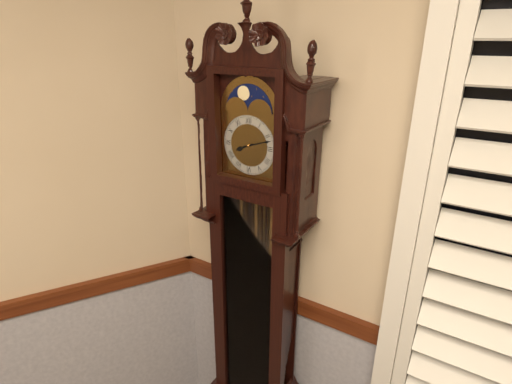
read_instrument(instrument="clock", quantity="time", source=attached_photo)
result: 8:12
